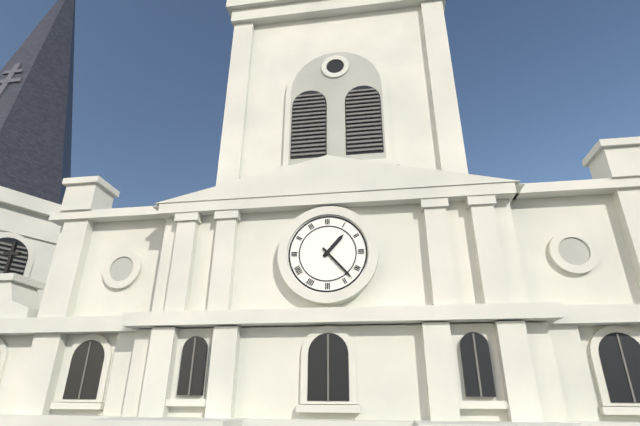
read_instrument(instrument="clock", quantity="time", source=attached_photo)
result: 1:23
